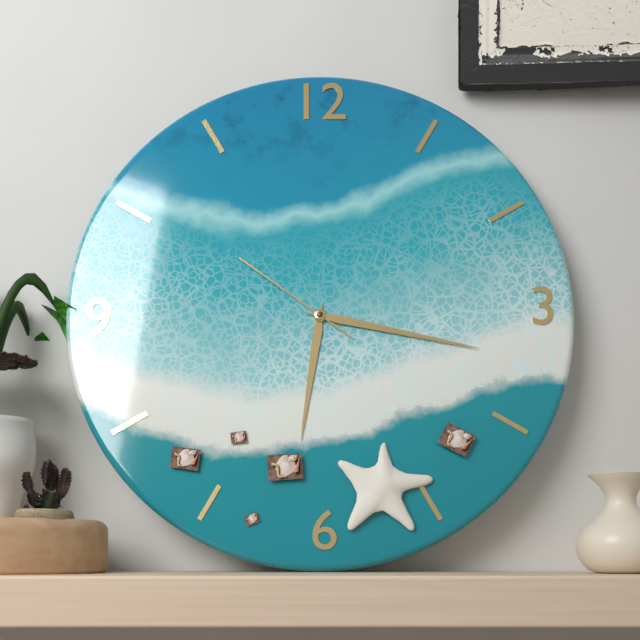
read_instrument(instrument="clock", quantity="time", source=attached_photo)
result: 6:17:51
